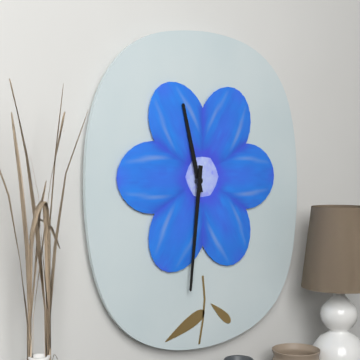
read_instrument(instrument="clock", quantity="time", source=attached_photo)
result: 11:31
